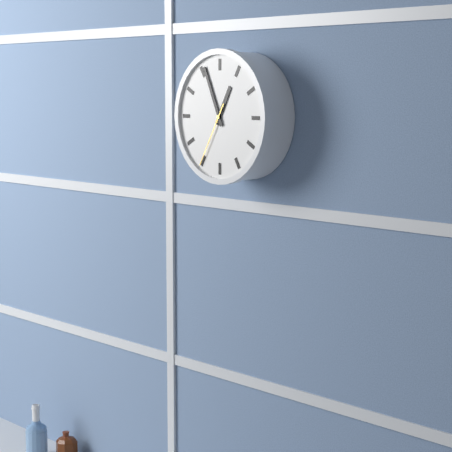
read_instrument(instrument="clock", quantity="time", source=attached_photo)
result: 12:56:35
